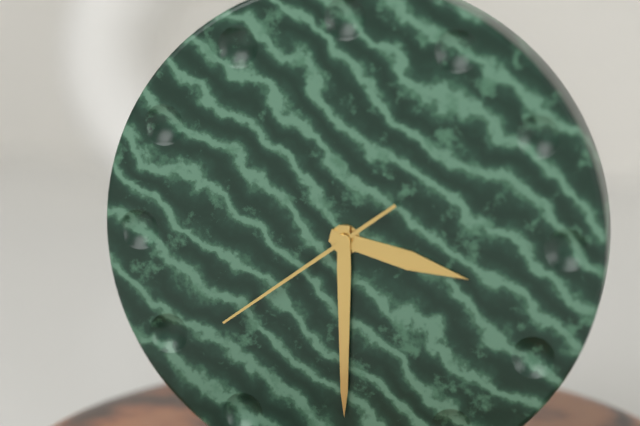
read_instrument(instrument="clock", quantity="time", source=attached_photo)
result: 3:30:39
